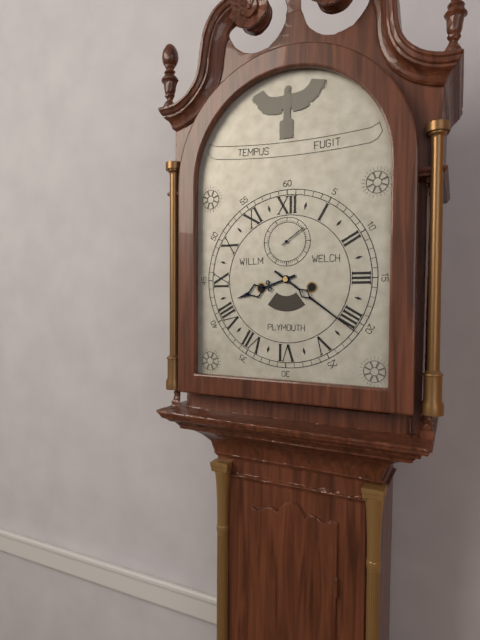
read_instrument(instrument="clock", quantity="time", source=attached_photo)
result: 8:21
